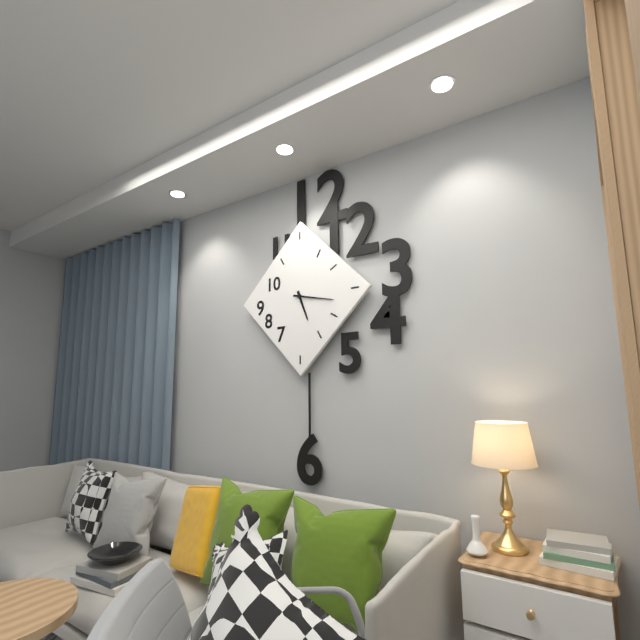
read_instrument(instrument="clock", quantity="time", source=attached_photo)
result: 5:17
